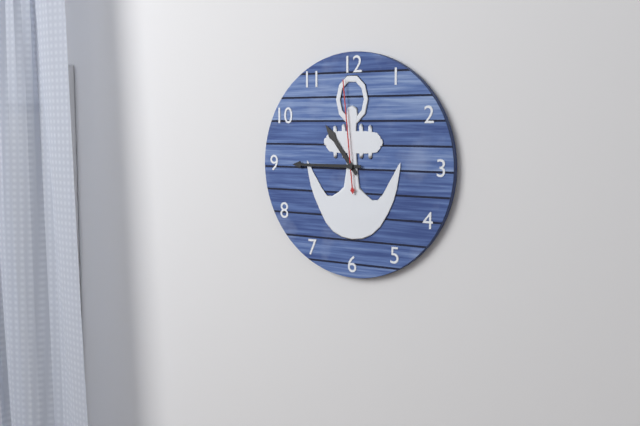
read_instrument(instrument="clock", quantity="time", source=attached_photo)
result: 10:45:59
